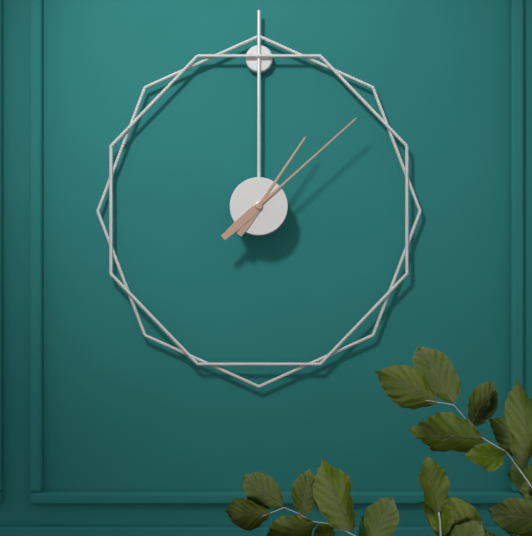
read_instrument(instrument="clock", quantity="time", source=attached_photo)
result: 1:08
